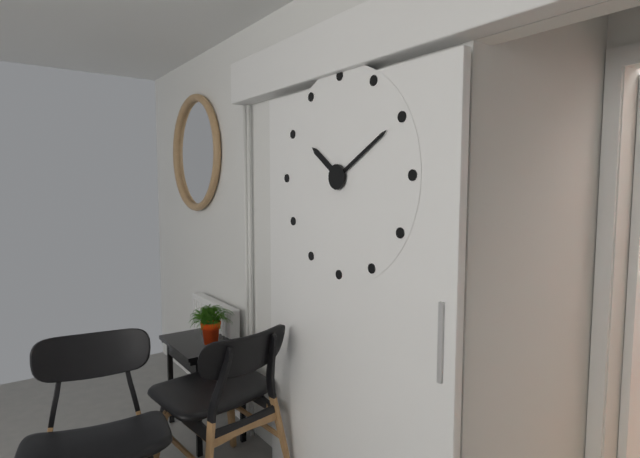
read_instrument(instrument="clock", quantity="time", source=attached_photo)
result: 10:10
